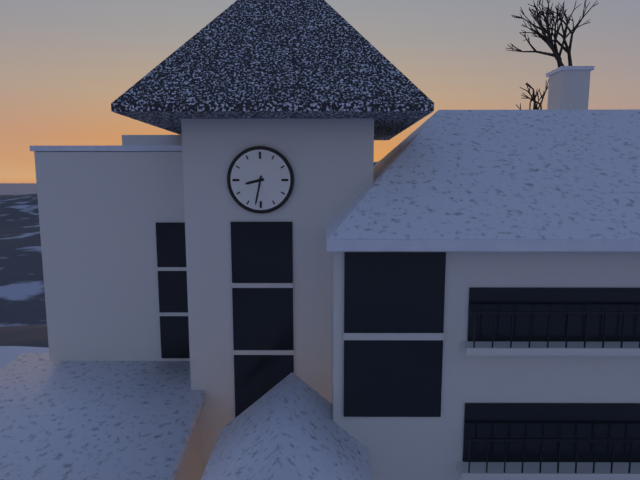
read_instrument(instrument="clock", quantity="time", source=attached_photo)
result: 8:32
